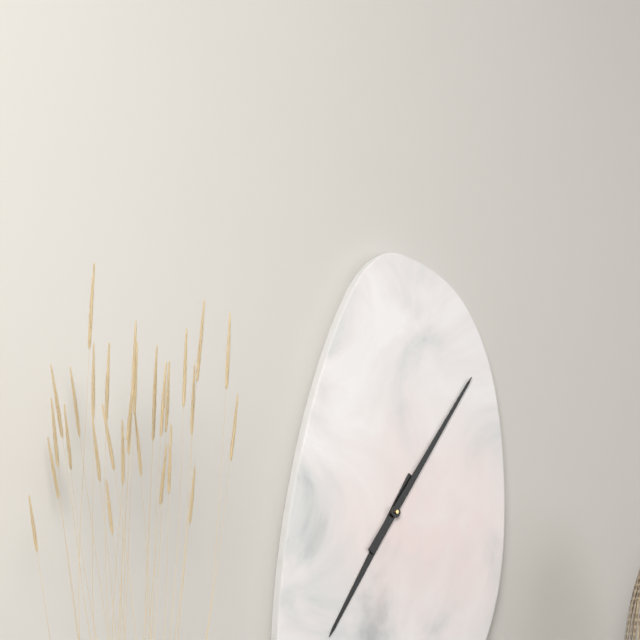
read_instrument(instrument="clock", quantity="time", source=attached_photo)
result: 7:06
